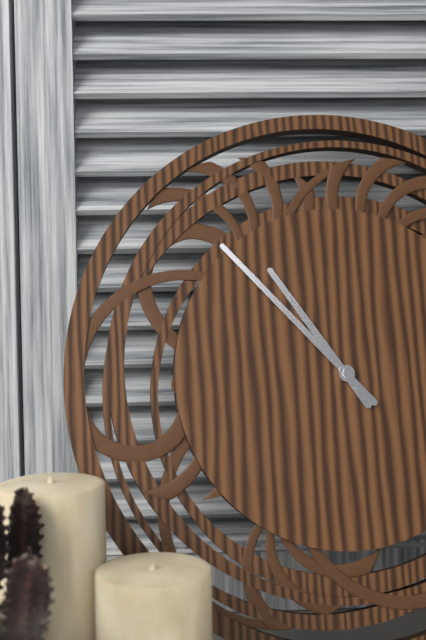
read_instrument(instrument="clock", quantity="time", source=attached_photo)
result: 10:53
